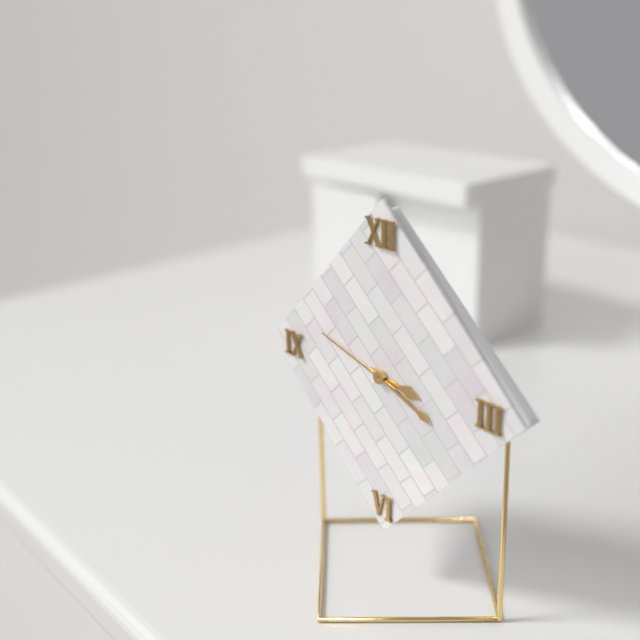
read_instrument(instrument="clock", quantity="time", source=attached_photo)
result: 3:19:48
